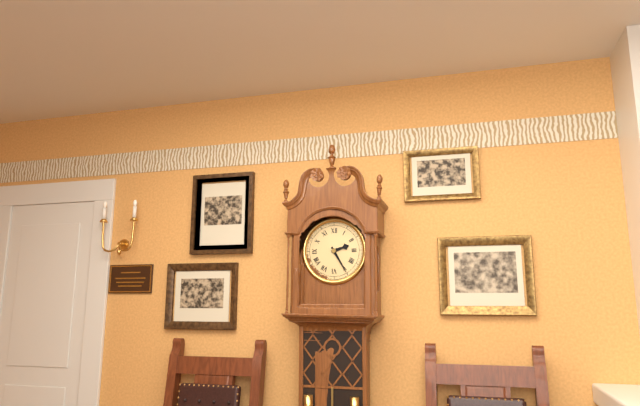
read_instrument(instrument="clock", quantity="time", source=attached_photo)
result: 2:25
